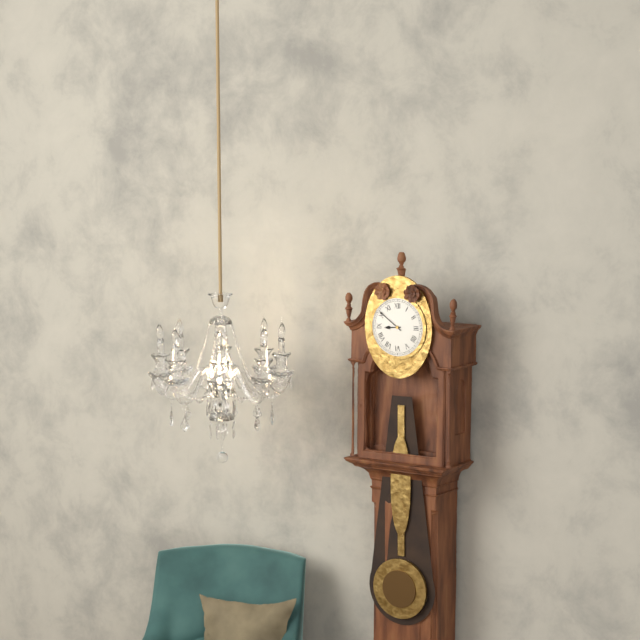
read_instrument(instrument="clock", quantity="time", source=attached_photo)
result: 8:51
